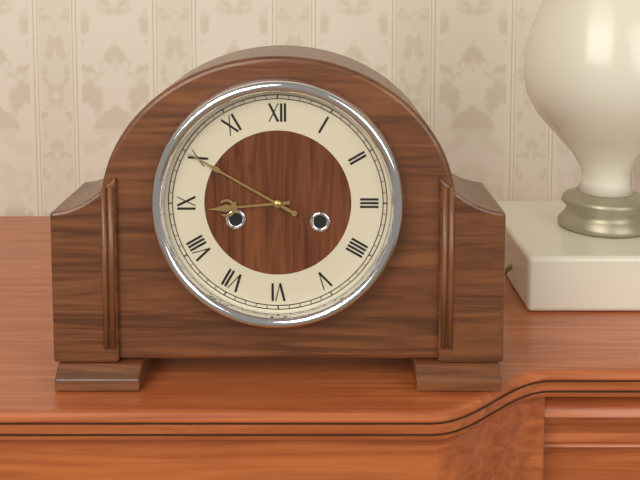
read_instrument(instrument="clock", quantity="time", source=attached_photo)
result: 8:50
